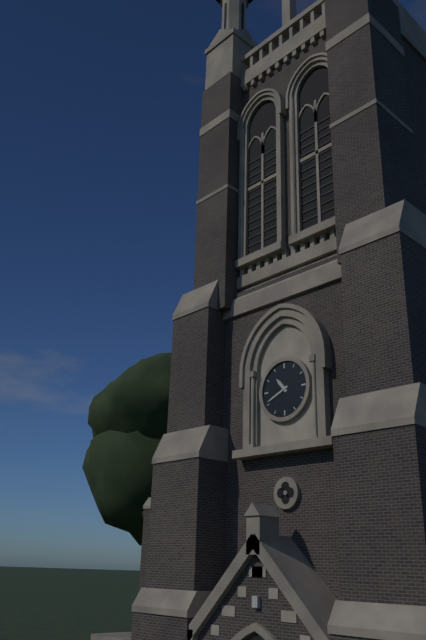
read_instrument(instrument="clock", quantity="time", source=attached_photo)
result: 10:41
